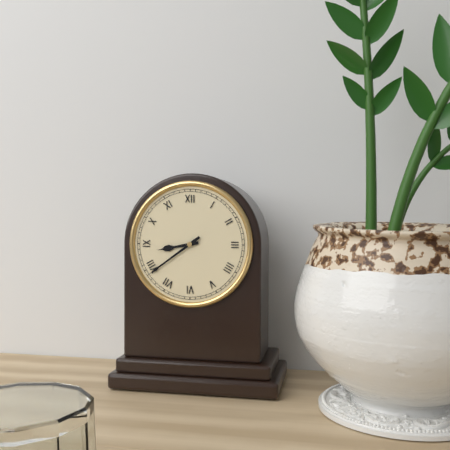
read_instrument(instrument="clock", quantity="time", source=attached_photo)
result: 8:39
